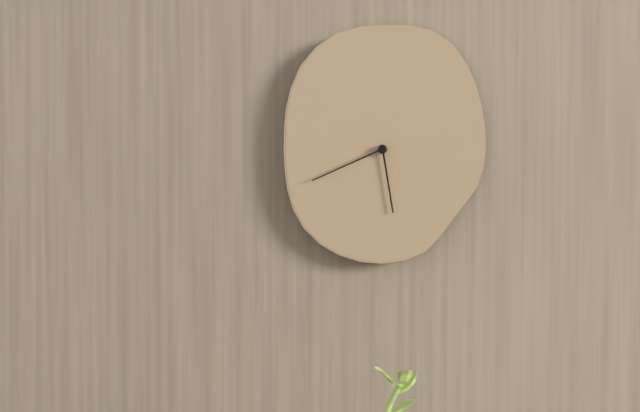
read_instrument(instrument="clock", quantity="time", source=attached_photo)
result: 5:41
